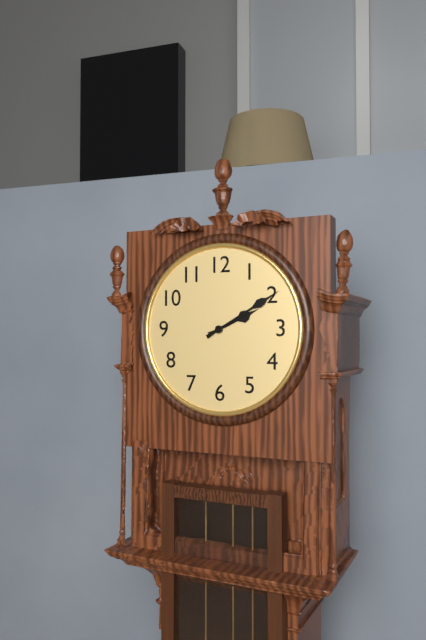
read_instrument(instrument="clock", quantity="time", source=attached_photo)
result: 2:10
